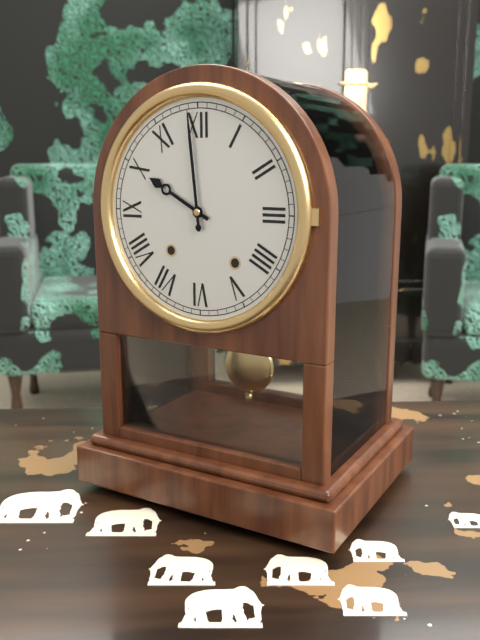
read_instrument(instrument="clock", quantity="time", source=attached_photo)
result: 9:59
